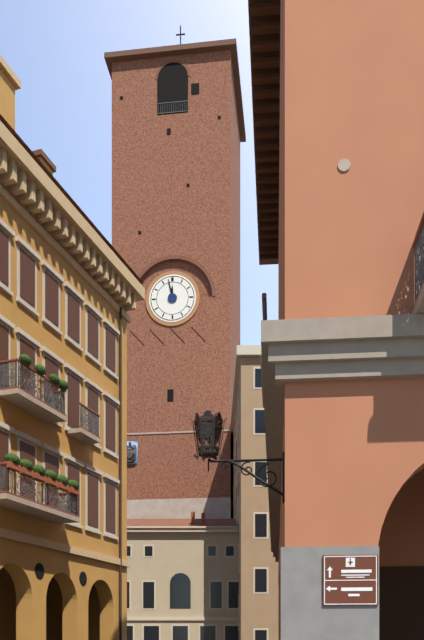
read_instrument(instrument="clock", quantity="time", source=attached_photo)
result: 11:58
